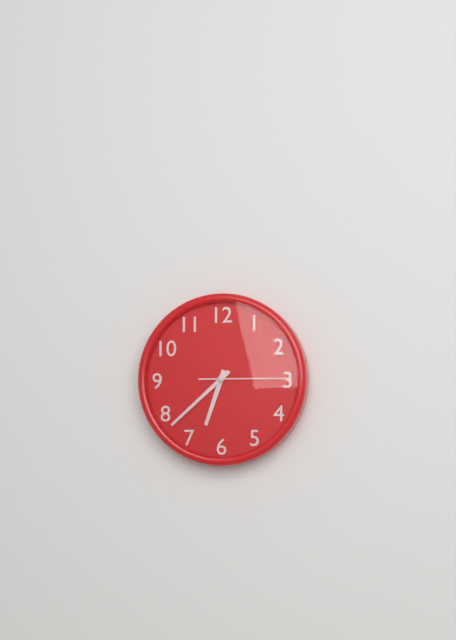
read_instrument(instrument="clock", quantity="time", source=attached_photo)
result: 6:38:15
